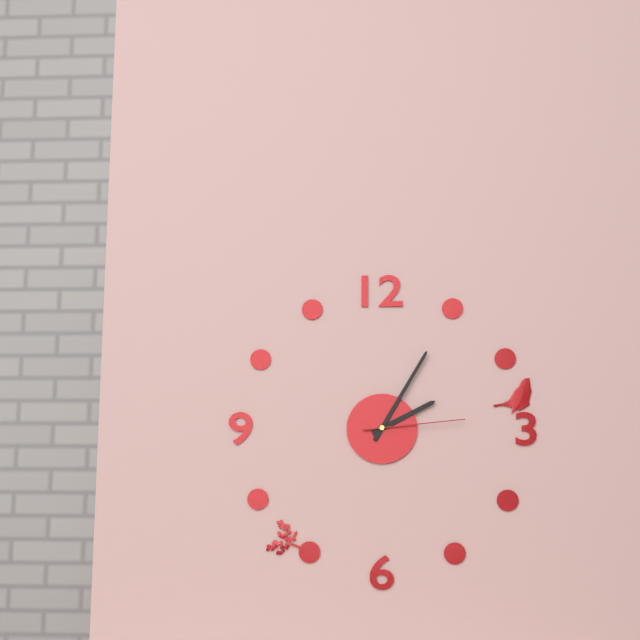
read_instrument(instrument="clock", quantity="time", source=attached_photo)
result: 2:05:14
